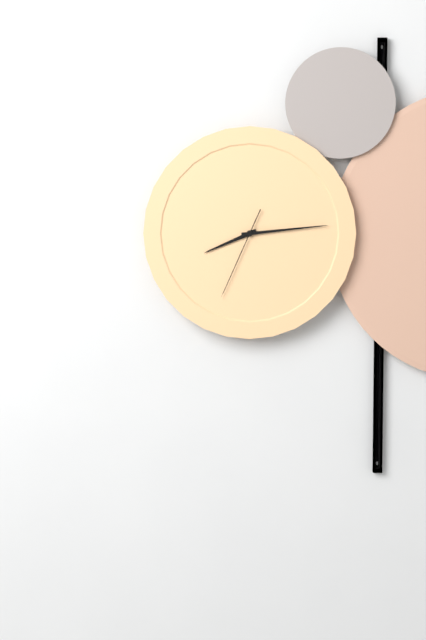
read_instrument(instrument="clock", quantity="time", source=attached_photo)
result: 8:14:34
